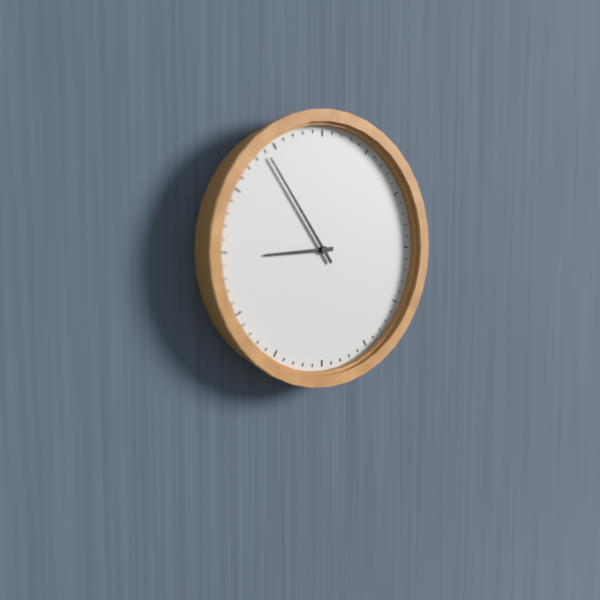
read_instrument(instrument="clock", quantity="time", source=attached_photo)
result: 8:54
